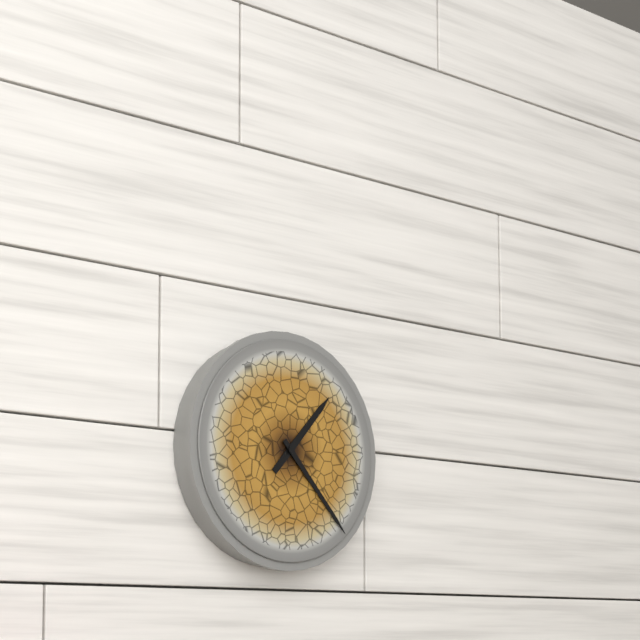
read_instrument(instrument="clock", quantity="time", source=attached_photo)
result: 1:23
